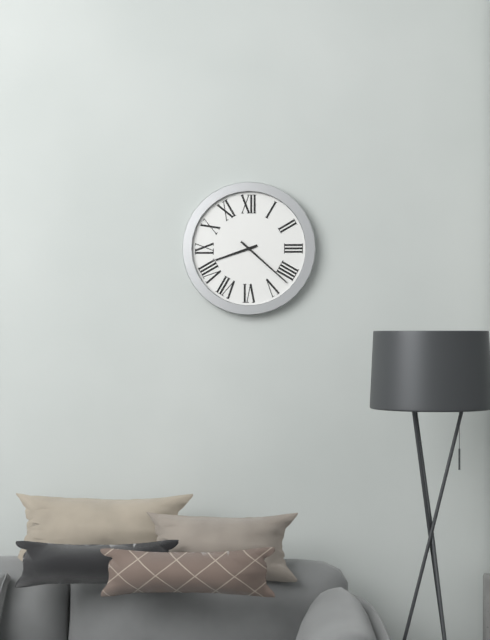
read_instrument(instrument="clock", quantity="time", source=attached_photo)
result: 8:22
